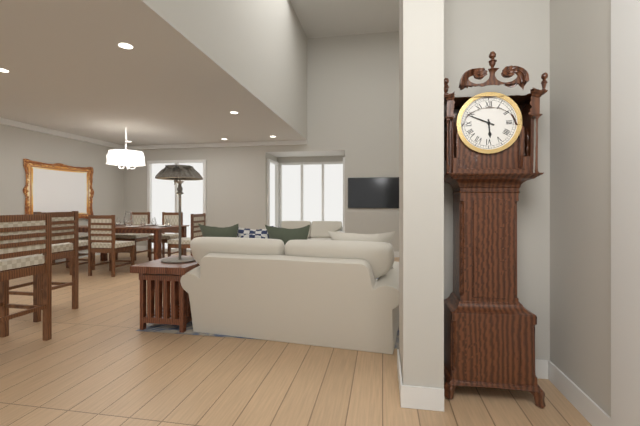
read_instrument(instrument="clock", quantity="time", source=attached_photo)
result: 5:49
